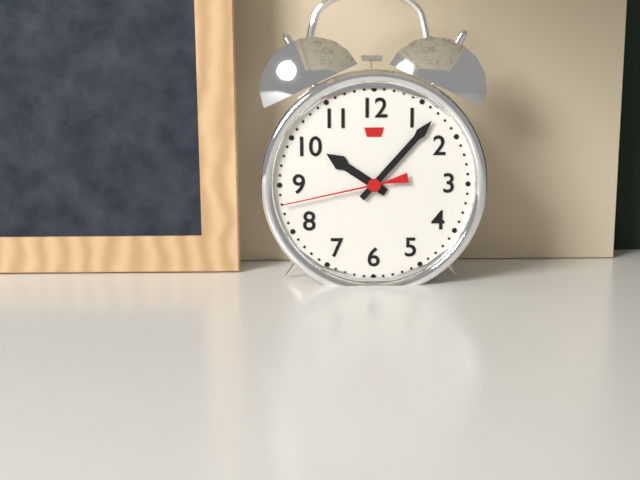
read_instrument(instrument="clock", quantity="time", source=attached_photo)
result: 10:07:43
